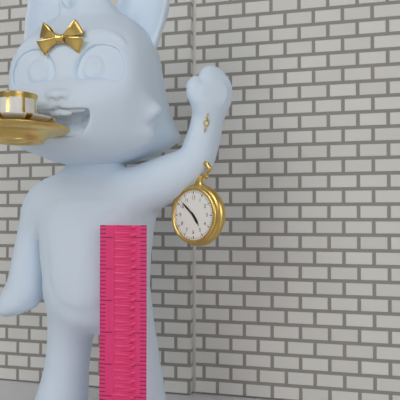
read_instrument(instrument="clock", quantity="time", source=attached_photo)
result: 4:52
